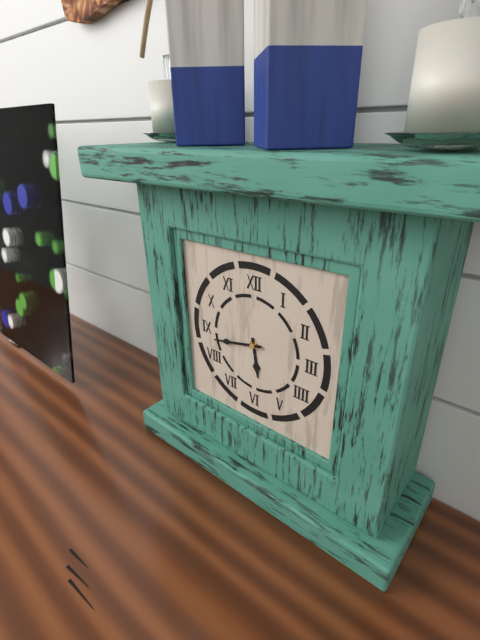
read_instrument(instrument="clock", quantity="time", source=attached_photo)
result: 5:43
